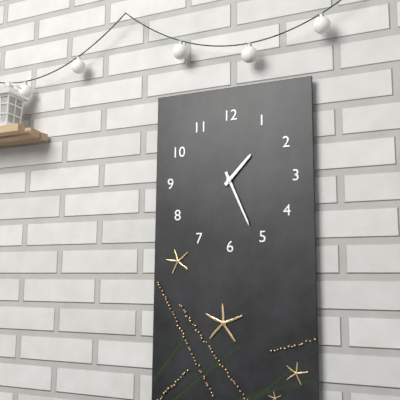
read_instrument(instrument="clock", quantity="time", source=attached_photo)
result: 1:26
